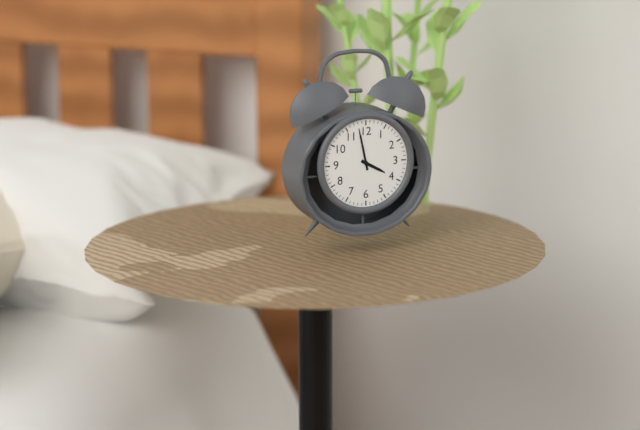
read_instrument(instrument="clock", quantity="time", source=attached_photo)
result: 3:58
